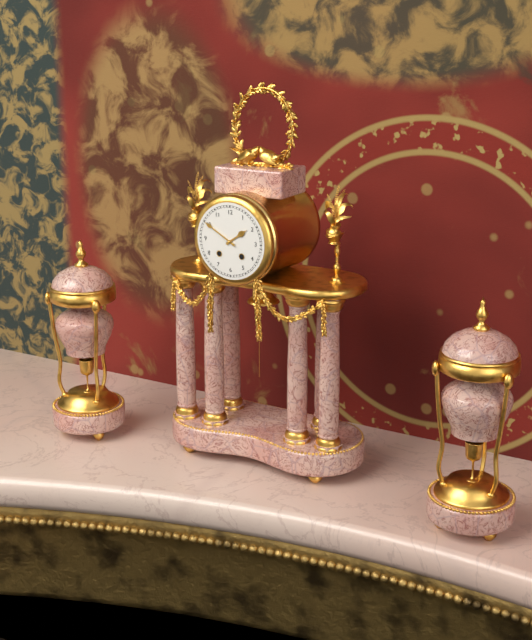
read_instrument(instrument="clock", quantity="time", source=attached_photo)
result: 1:50
